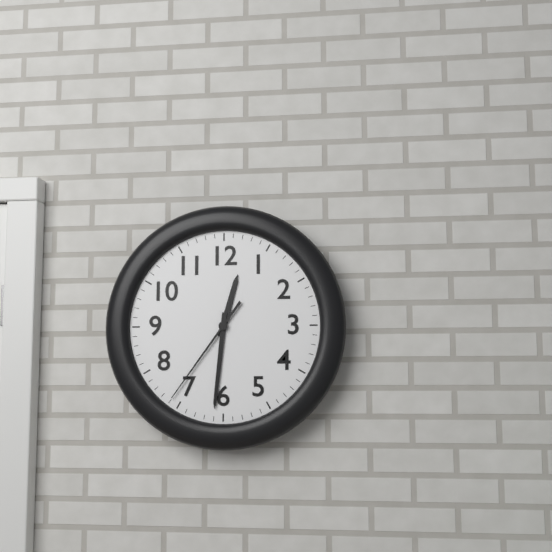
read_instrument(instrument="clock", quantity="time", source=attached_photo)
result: 12:31:36
